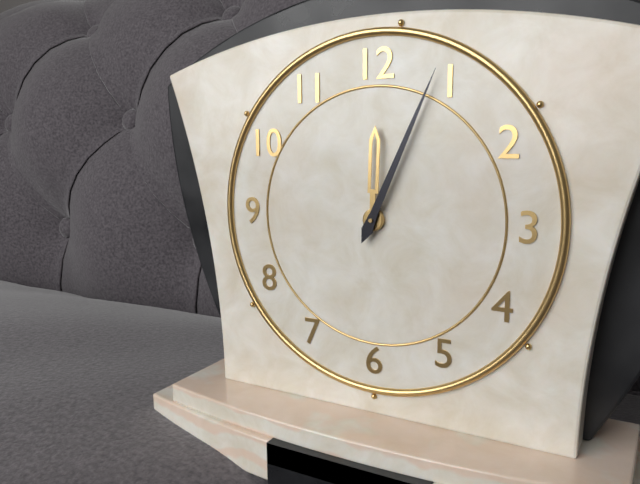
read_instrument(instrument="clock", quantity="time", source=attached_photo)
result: 12:04
